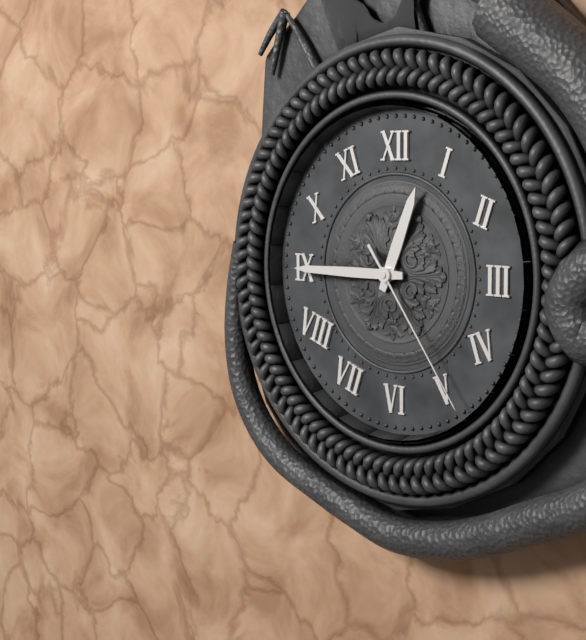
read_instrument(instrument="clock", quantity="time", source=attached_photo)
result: 12:45:24
